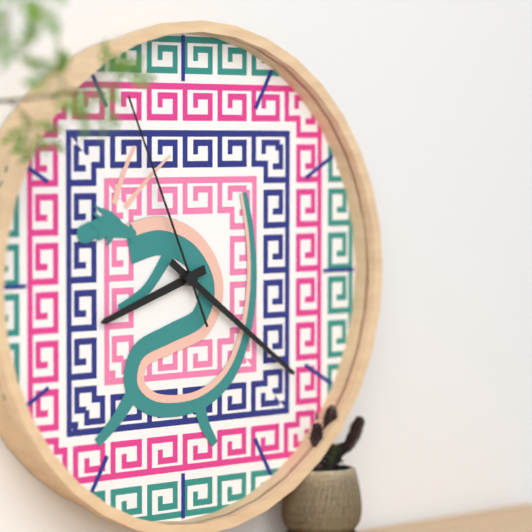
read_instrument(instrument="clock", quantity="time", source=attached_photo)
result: 8:21:56
